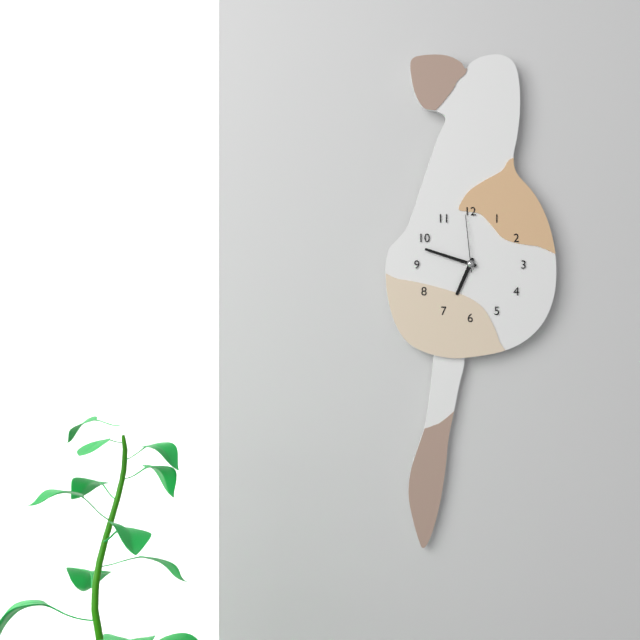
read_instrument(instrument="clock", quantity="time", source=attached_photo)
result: 6:48:59
